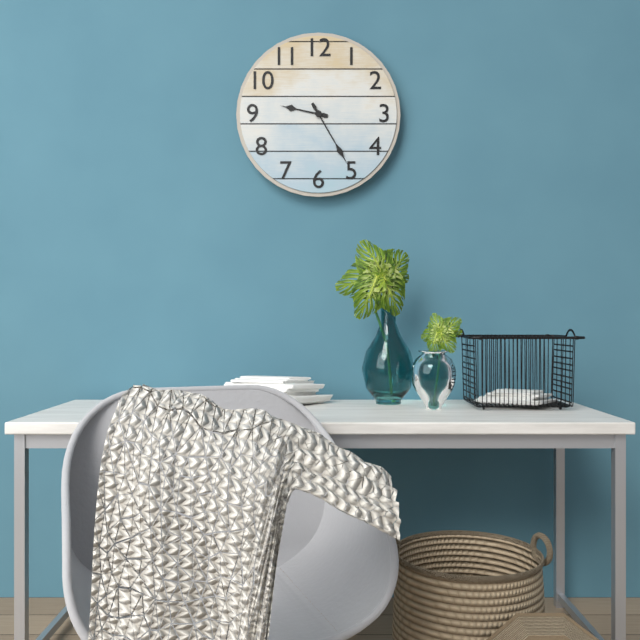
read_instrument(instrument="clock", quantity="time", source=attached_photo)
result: 9:25
